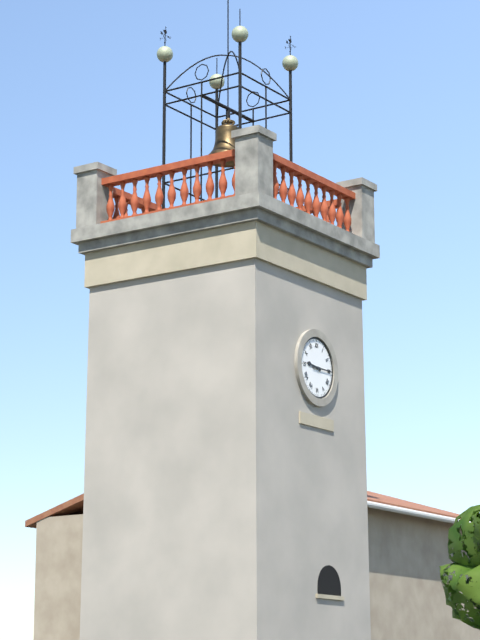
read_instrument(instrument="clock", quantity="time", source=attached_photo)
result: 9:15
